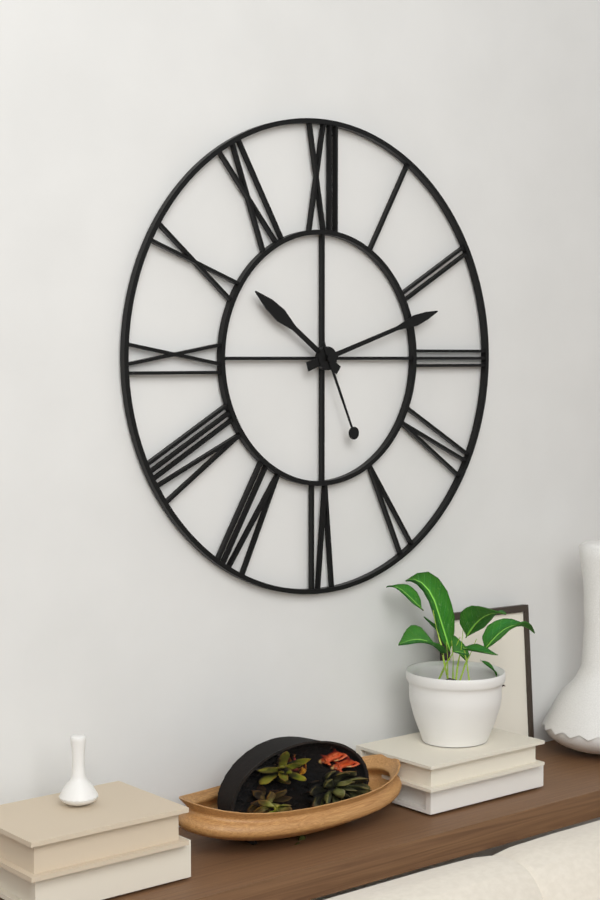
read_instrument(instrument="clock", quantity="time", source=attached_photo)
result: 10:12:26
